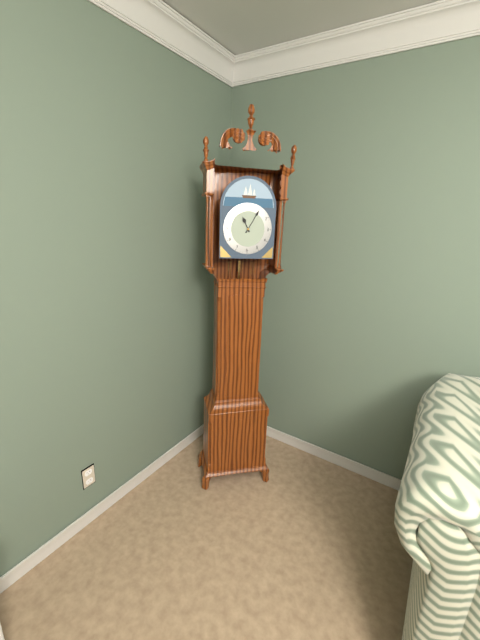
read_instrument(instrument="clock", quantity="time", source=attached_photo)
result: 11:05
